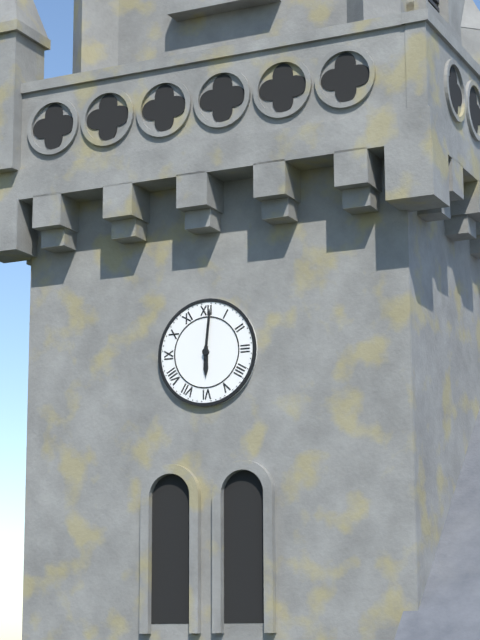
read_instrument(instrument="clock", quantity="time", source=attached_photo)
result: 6:01
